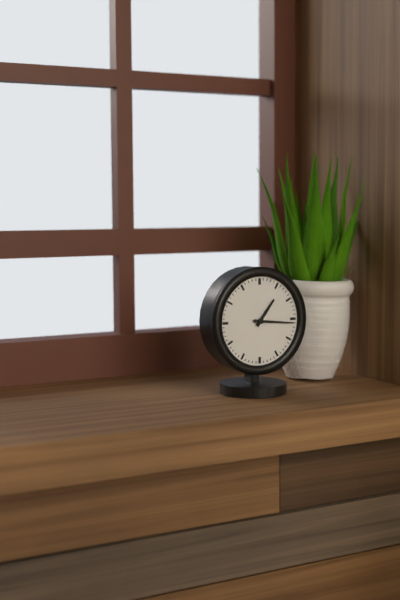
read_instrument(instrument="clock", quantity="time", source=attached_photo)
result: 1:16
